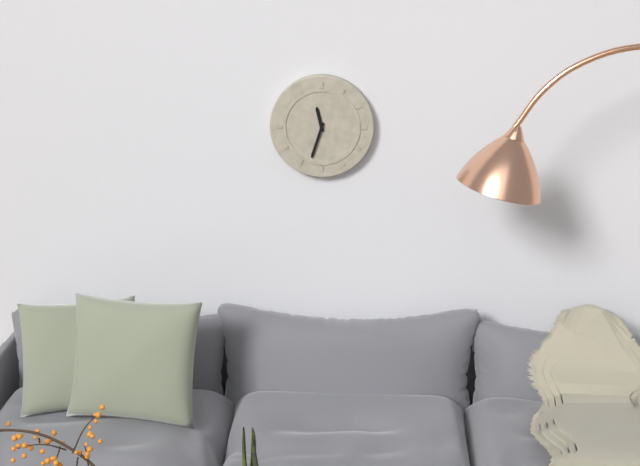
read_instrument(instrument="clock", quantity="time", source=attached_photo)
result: 11:33
